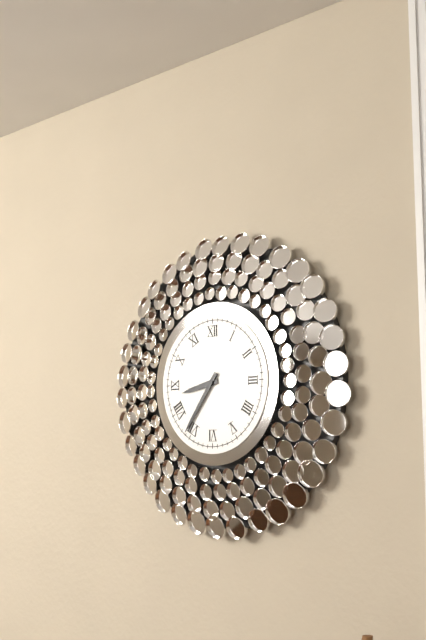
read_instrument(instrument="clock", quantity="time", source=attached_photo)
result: 8:36
